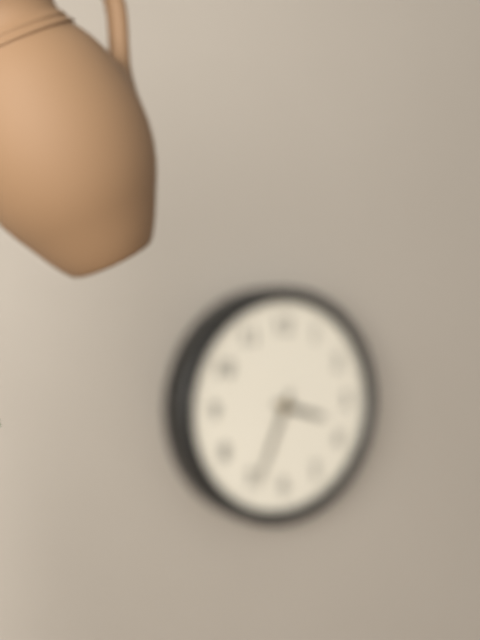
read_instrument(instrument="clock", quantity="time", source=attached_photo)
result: 3:34
